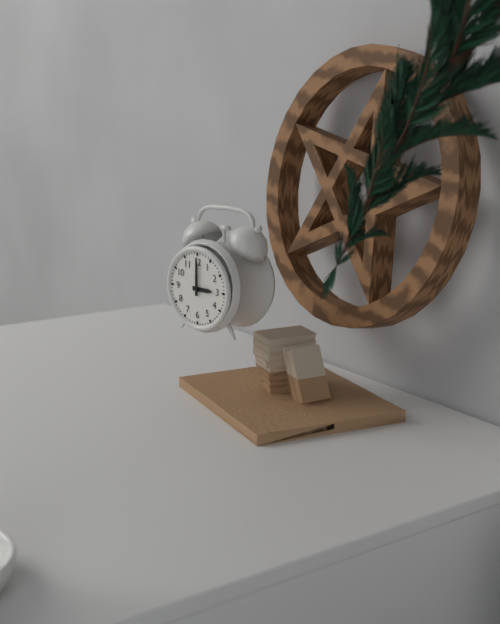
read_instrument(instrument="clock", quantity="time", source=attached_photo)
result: 3:00
